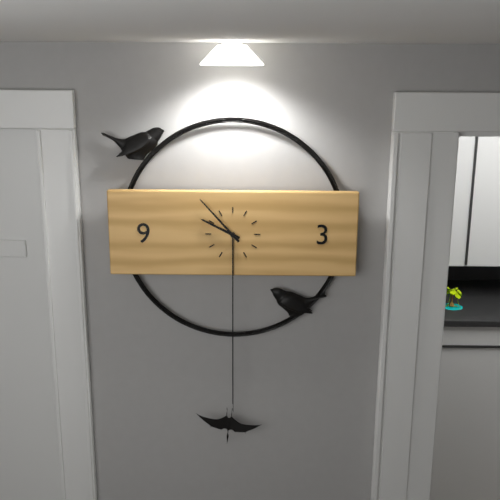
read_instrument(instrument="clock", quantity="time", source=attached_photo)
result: 9:53
